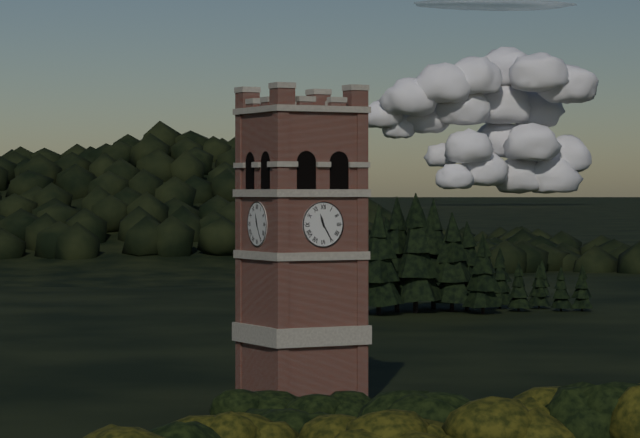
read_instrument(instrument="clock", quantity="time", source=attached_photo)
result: 11:25
